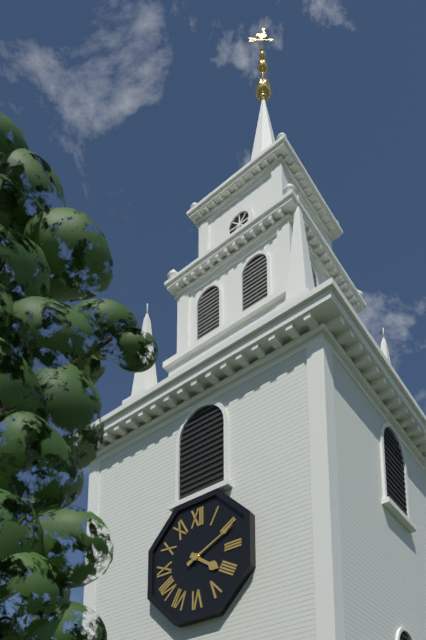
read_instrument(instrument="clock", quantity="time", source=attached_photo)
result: 4:11
